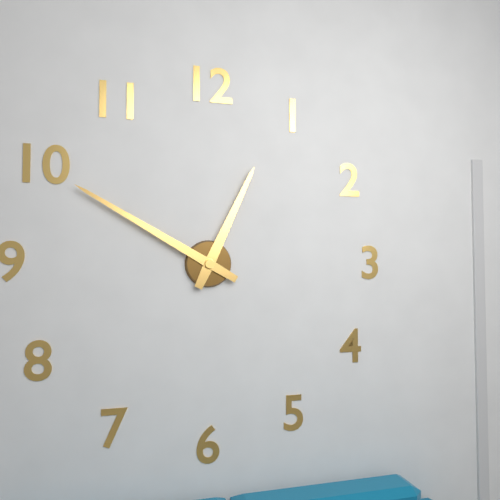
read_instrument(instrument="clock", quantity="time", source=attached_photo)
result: 12:50
